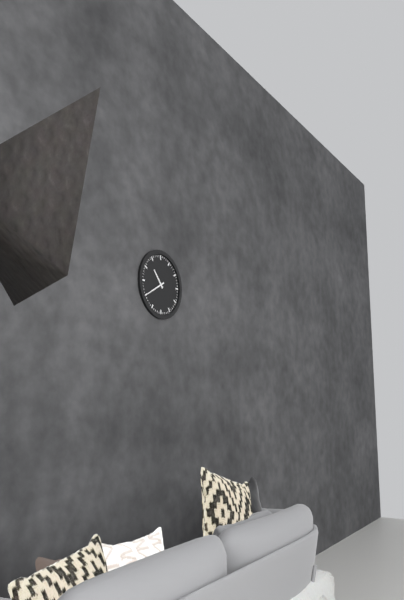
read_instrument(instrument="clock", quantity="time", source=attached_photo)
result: 10:40
